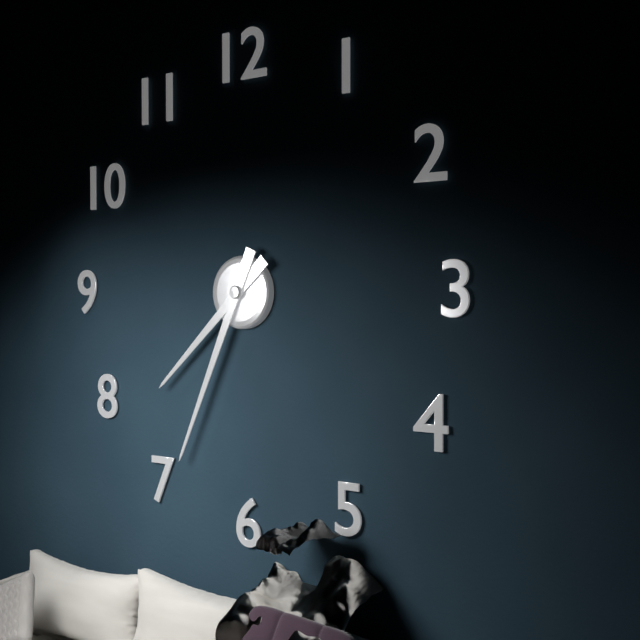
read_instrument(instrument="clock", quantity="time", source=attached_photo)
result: 7:34
